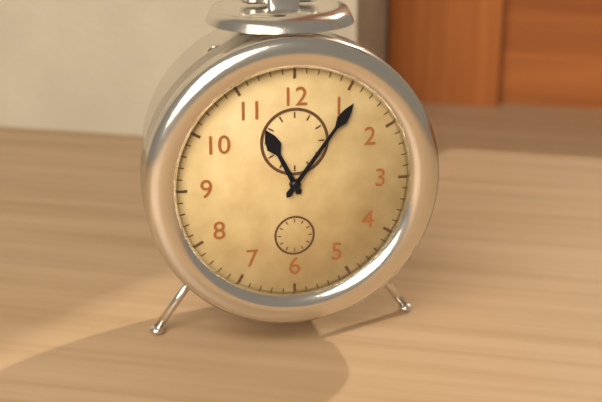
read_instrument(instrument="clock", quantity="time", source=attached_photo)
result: 11:06
